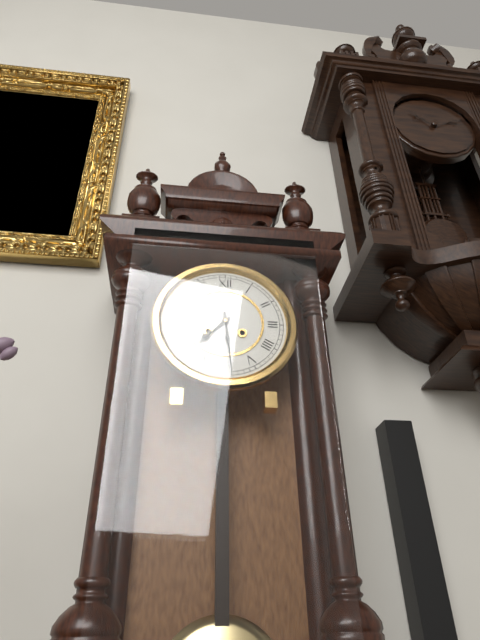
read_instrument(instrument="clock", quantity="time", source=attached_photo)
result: 7:29
